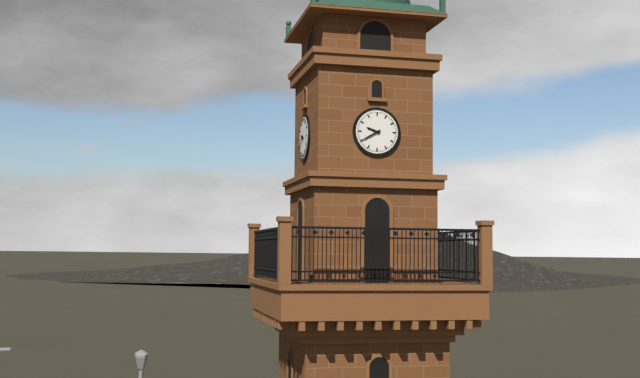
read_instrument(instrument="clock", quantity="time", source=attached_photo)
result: 9:40
